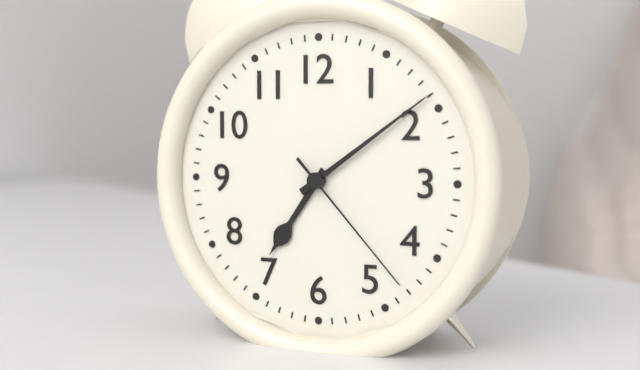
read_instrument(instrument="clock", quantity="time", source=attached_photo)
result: 7:09:23
